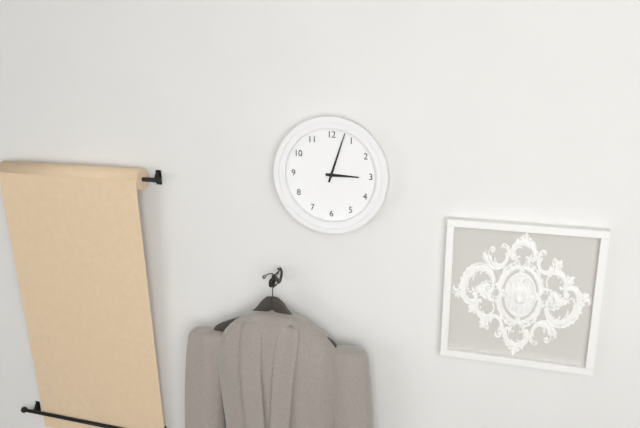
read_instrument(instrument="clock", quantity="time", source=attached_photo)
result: 3:03
